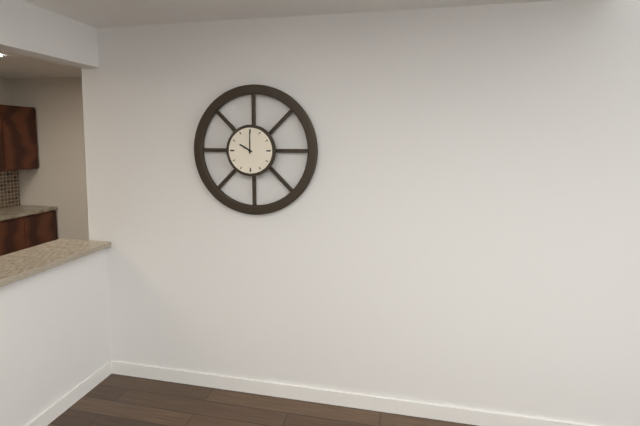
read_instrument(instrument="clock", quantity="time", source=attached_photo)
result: 10:00
